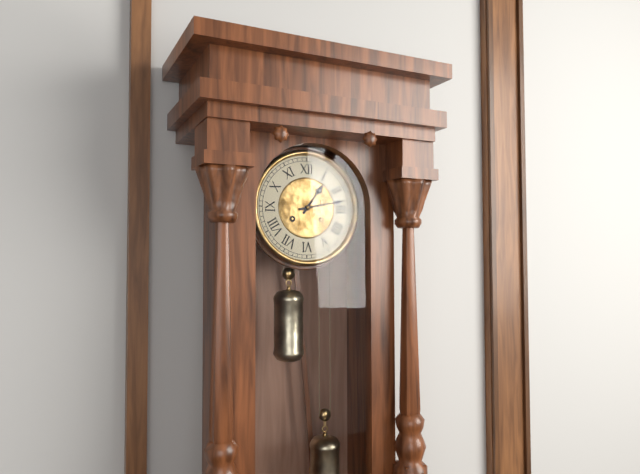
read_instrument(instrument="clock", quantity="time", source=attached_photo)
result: 1:13
